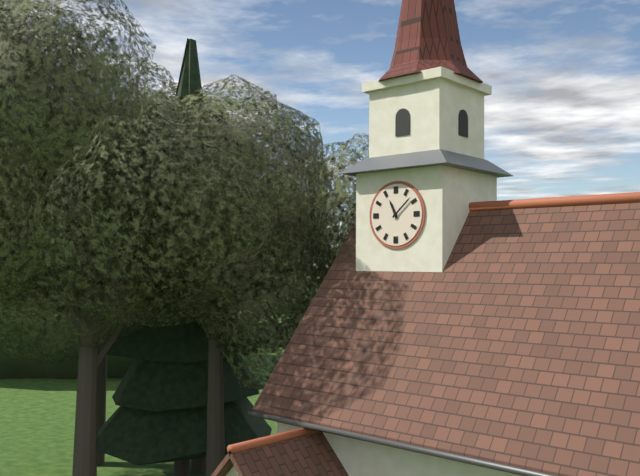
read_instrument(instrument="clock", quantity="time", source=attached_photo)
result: 11:08
